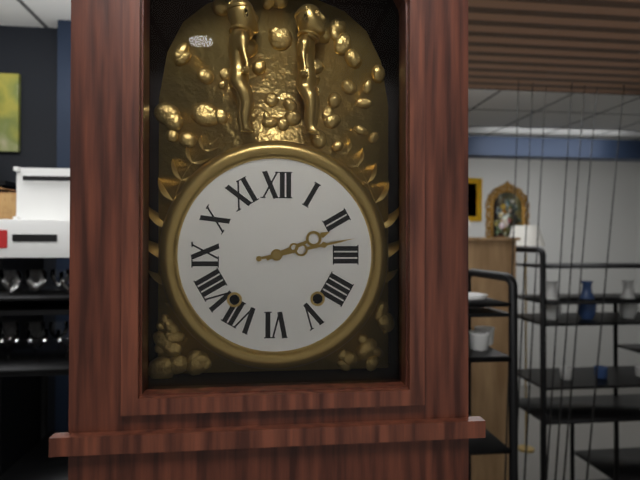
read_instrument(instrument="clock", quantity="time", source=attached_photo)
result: 2:13
